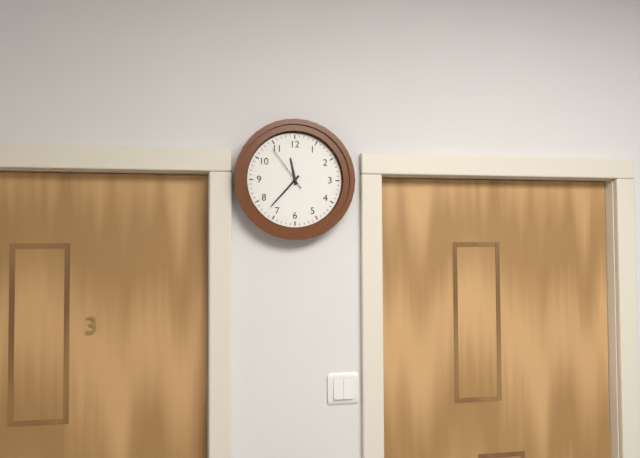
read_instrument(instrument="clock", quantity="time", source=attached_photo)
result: 11:37
